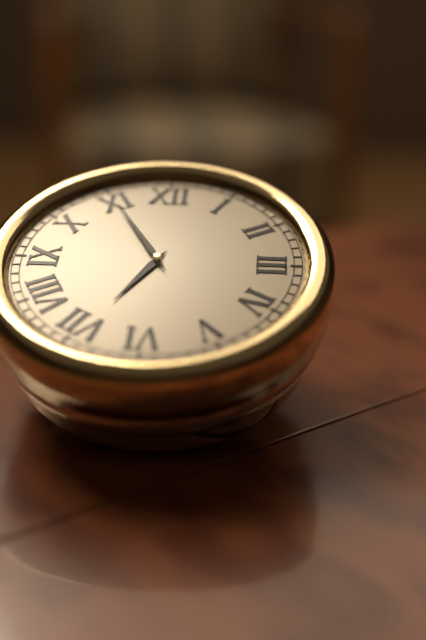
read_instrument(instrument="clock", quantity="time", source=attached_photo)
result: 6:55
